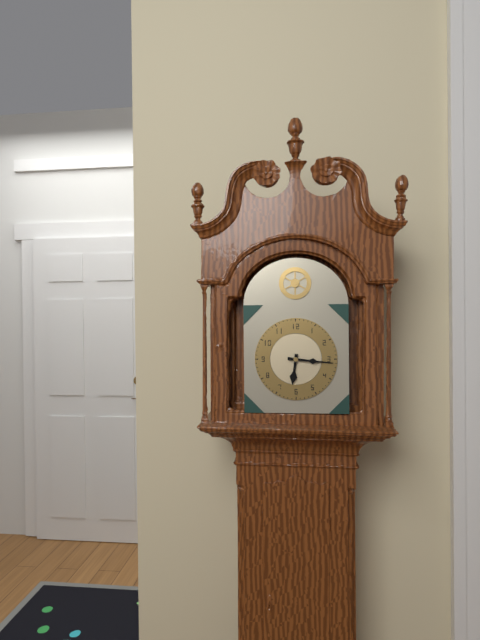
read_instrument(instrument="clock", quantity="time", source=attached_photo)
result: 6:16
